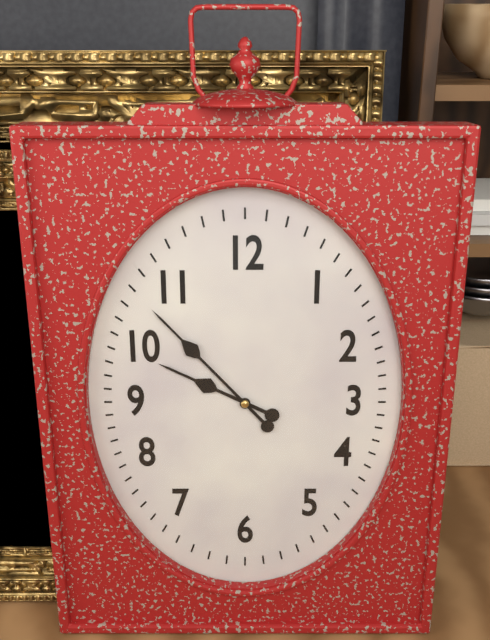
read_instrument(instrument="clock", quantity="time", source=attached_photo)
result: 9:53
